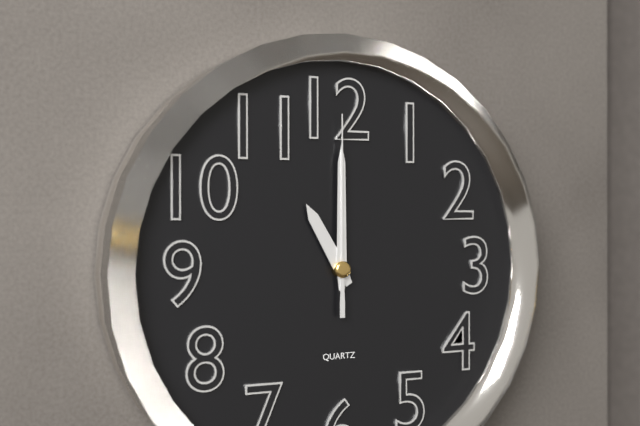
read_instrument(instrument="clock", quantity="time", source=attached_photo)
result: 11:00:00
